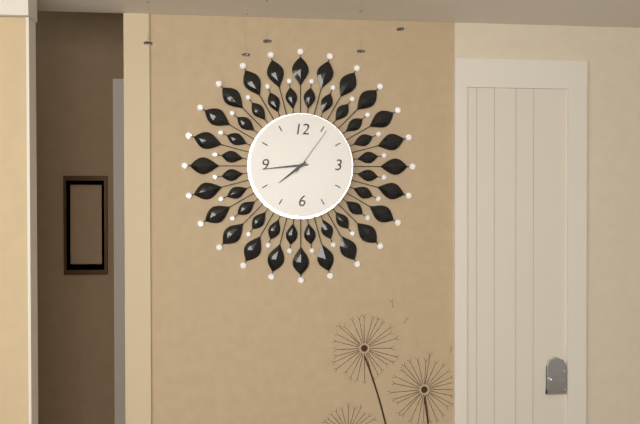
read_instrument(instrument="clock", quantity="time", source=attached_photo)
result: 7:44:06
